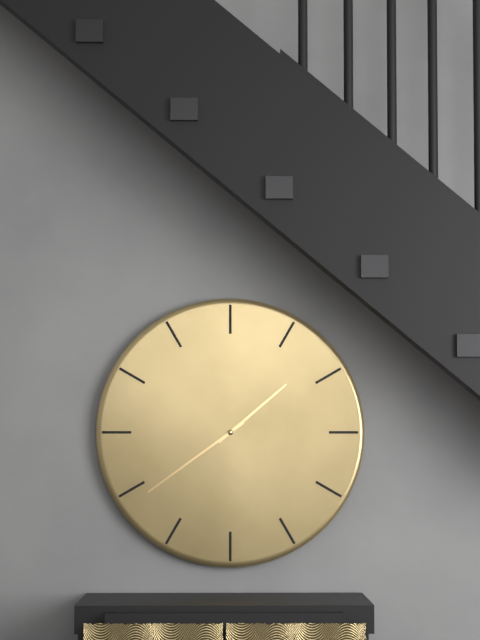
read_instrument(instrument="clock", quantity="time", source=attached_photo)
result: 1:39
